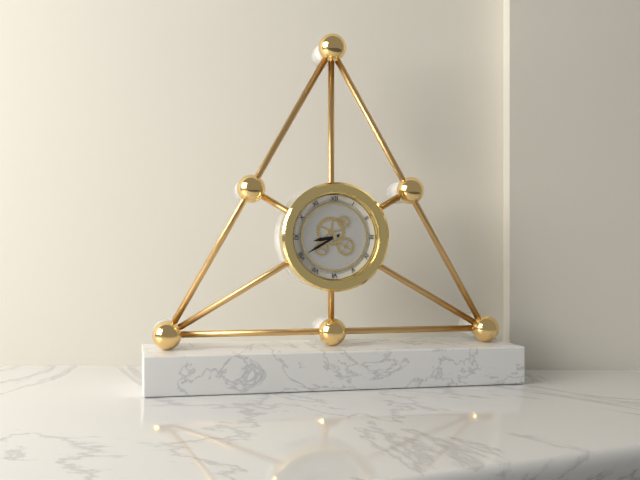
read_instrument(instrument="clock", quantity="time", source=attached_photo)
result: 8:40
